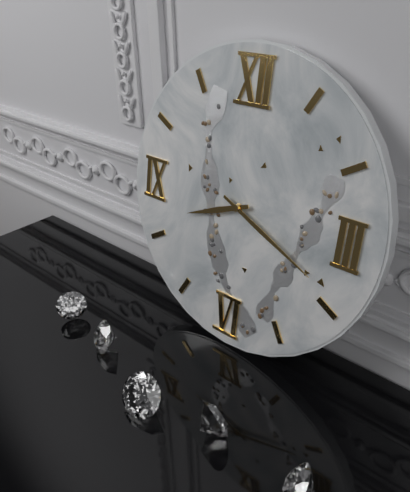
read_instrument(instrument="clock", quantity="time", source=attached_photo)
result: 8:19
